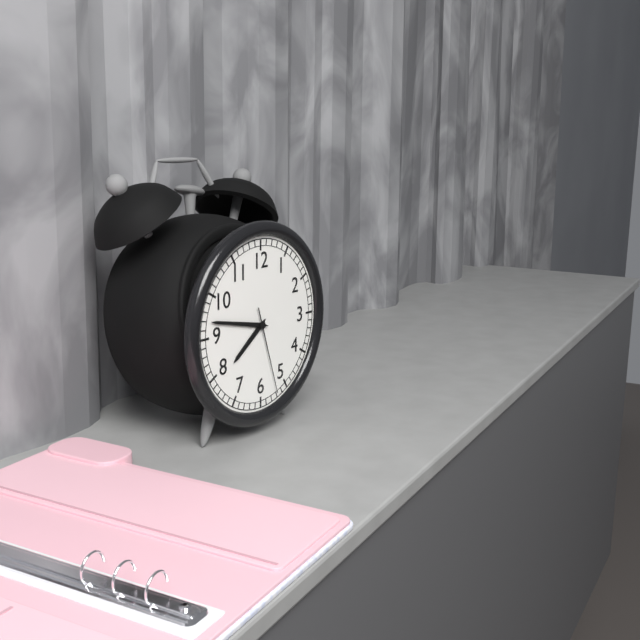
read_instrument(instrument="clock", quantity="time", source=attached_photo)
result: 7:47:27
